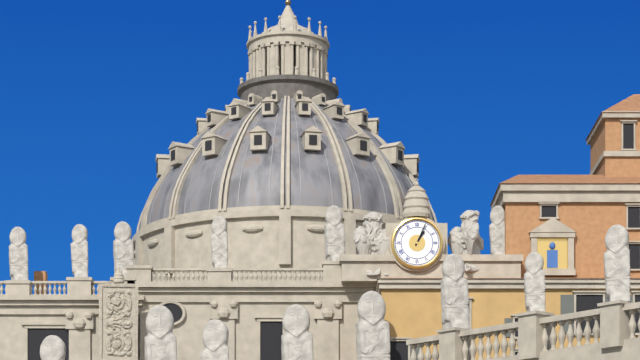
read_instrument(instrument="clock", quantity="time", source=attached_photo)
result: 1:04
